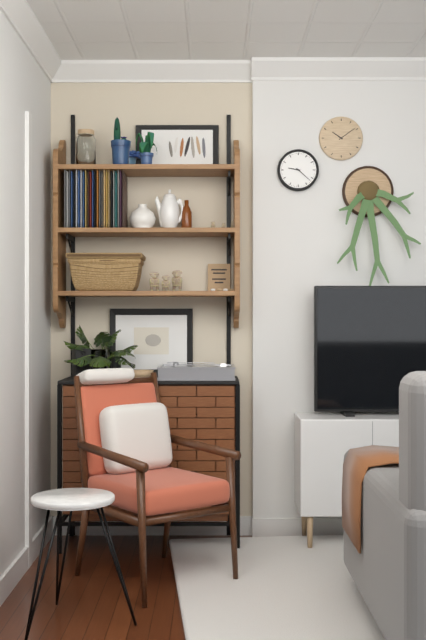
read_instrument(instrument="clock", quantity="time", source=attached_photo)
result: 9:22
